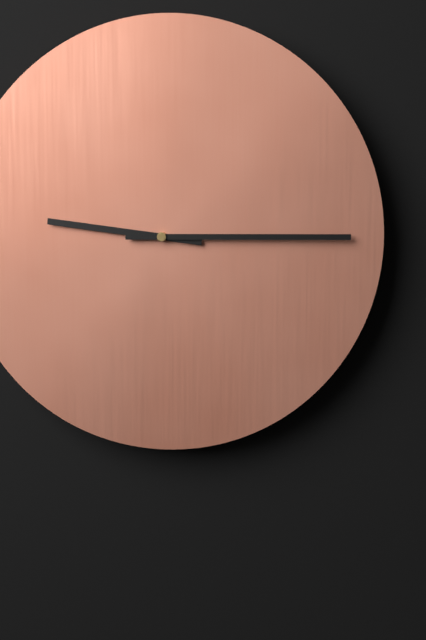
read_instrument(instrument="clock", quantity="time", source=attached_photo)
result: 9:15
